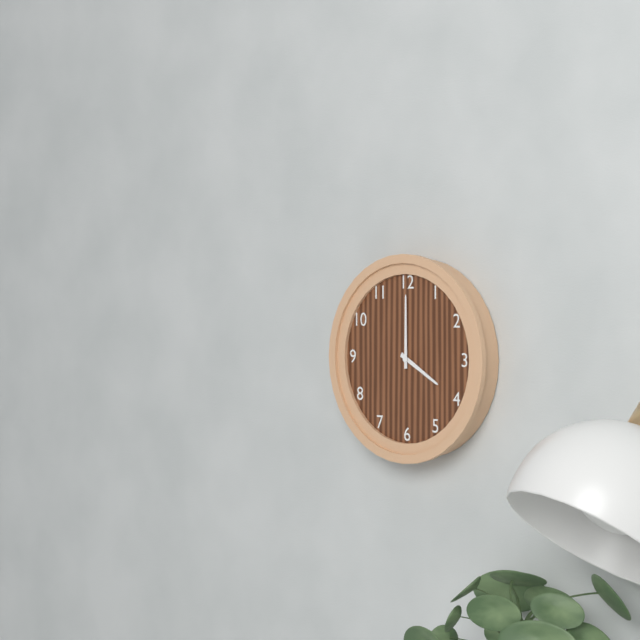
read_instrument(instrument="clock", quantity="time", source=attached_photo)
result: 4:00
